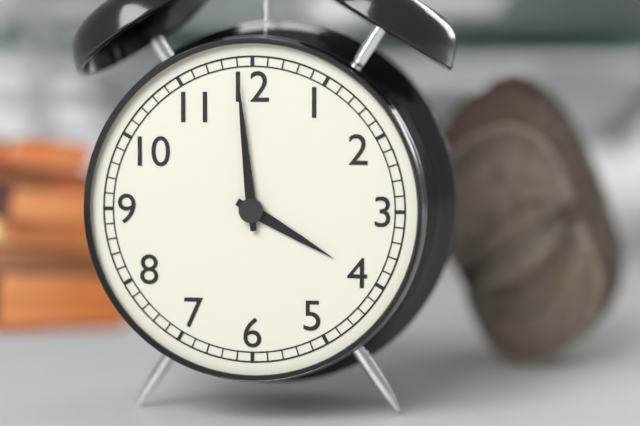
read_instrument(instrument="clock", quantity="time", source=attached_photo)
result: 3:59
